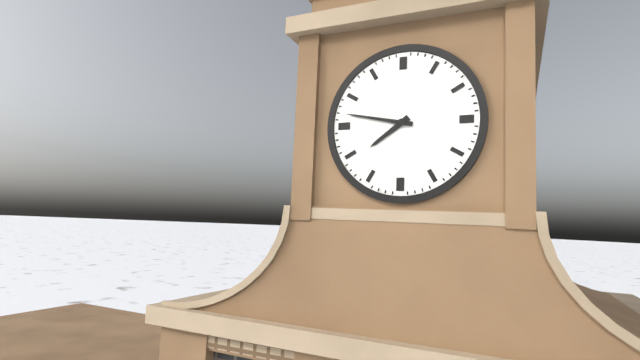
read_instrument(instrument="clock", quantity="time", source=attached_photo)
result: 7:47
